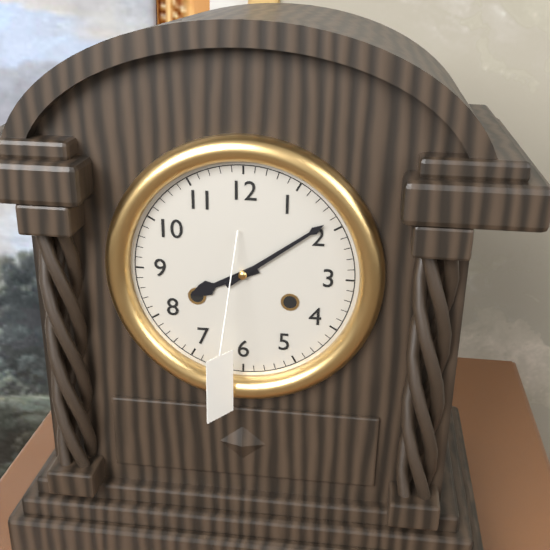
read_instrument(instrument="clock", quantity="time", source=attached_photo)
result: 8:09
